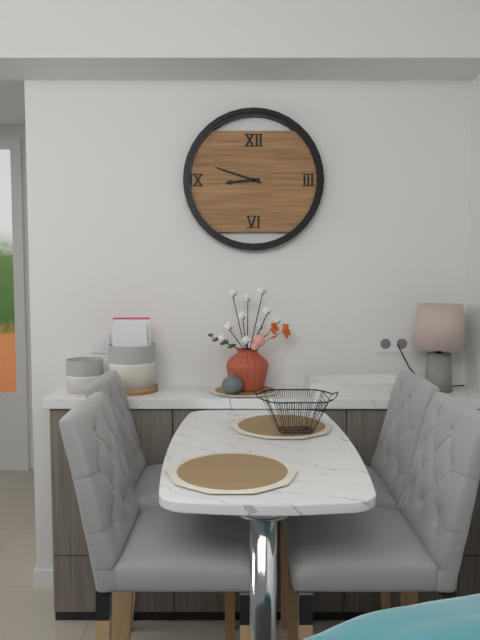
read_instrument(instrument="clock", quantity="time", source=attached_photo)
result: 8:48
